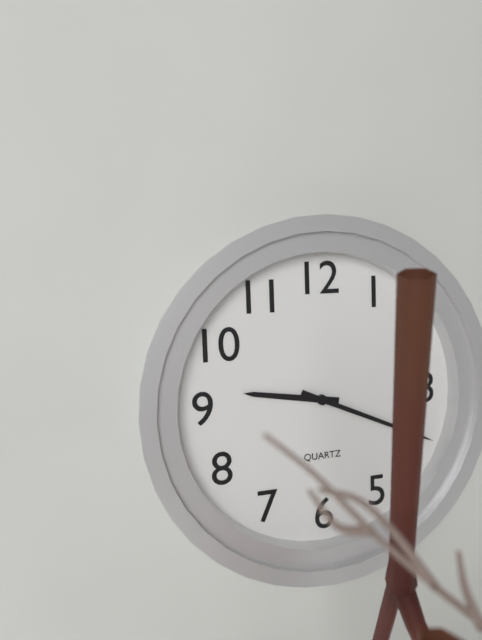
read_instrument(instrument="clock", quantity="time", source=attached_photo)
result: 9:19
